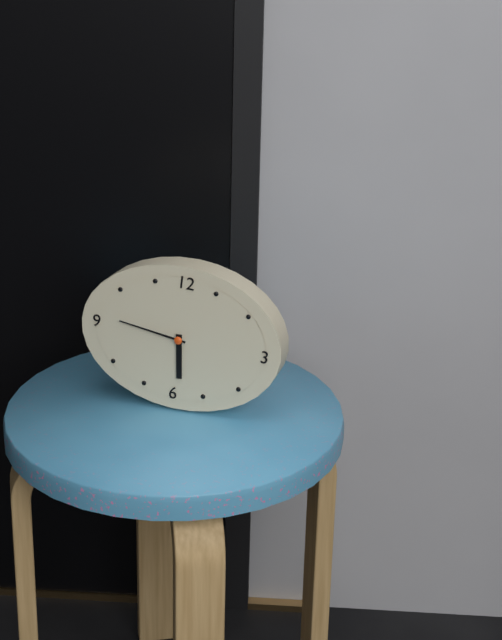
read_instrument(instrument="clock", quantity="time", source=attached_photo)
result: 5:46
